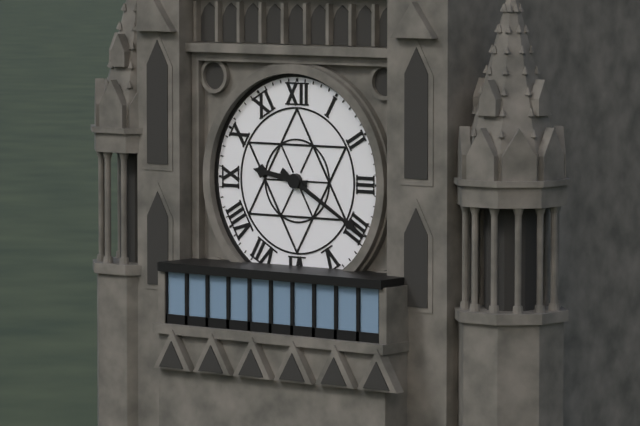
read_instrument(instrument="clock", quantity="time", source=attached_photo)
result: 9:20
